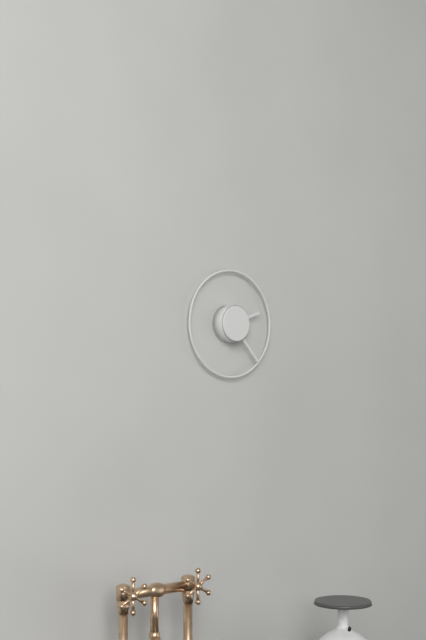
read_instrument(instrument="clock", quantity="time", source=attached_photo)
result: 2:23
